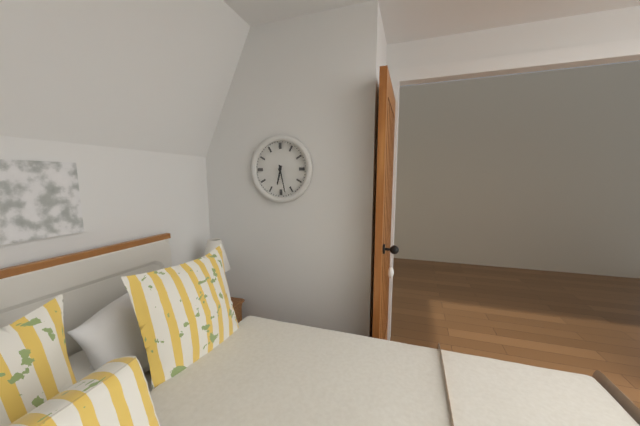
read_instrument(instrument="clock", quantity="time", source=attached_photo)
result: 6:28
